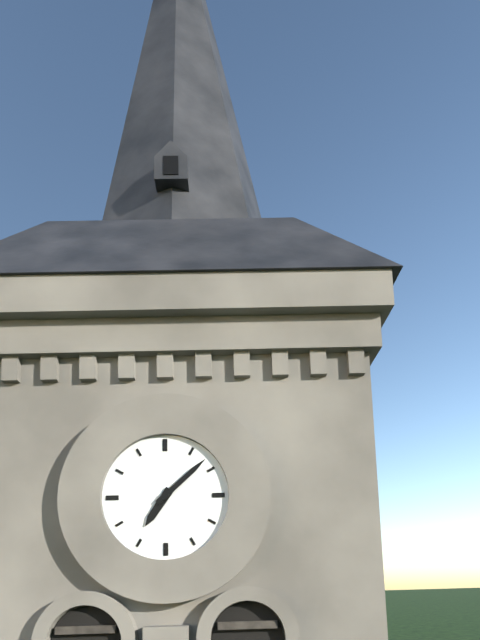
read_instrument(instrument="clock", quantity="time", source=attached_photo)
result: 7:08
